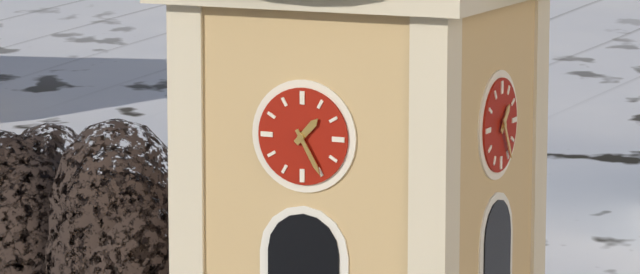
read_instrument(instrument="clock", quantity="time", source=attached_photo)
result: 1:25
